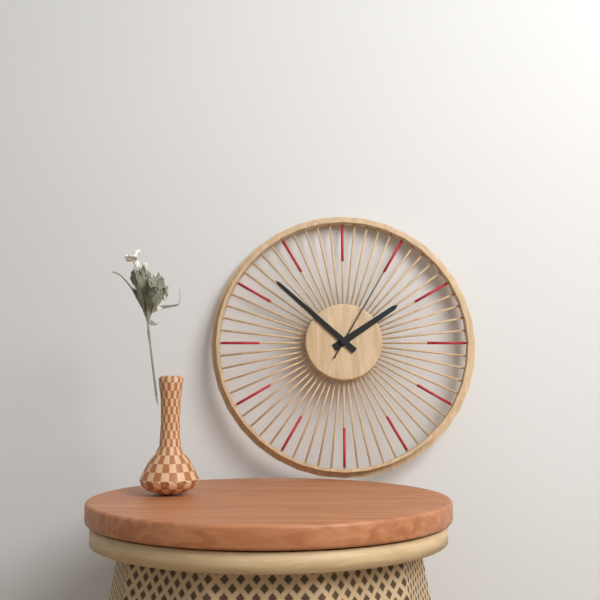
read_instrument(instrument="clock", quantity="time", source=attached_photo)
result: 1:52:05
